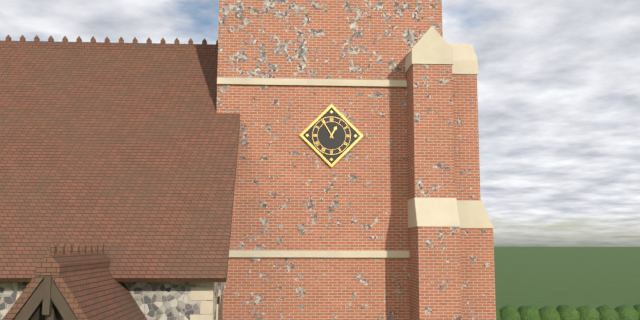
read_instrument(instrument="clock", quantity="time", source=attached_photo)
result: 12:55
